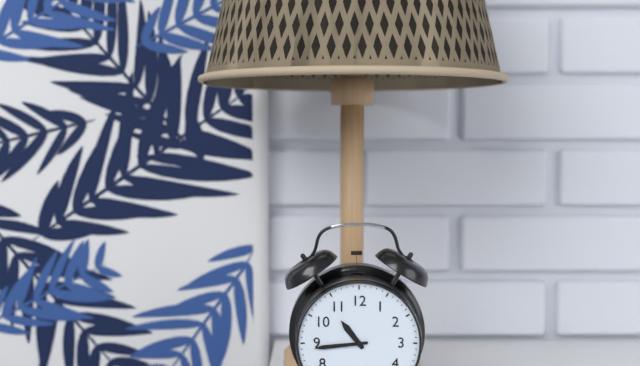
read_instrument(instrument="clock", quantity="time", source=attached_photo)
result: 10:44
